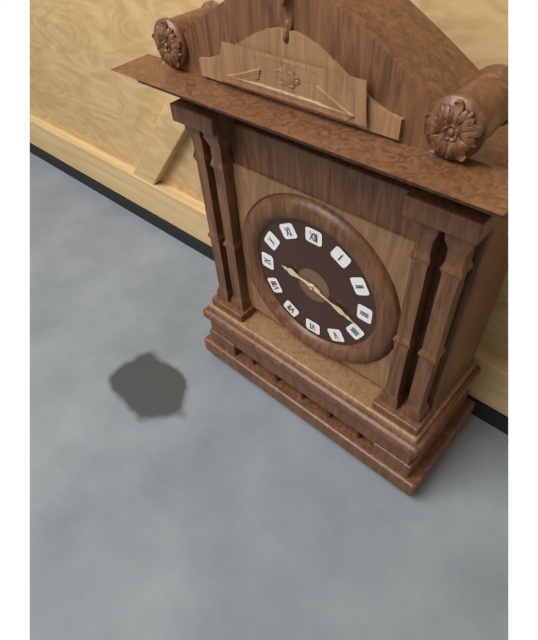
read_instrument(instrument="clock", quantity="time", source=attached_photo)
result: 9:18
